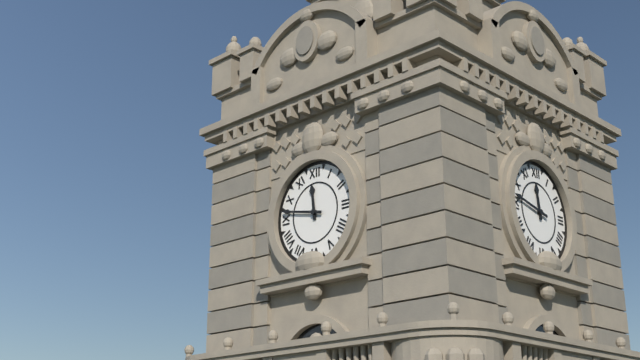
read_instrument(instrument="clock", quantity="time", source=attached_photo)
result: 11:47
